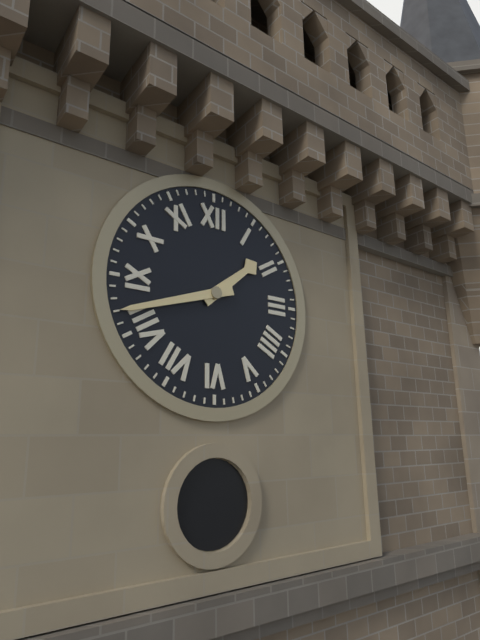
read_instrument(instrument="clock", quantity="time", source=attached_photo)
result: 1:42
